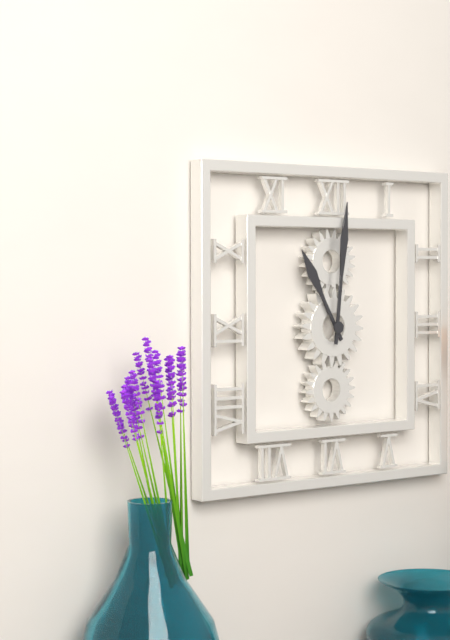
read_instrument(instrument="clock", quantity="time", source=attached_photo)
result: 11:01
